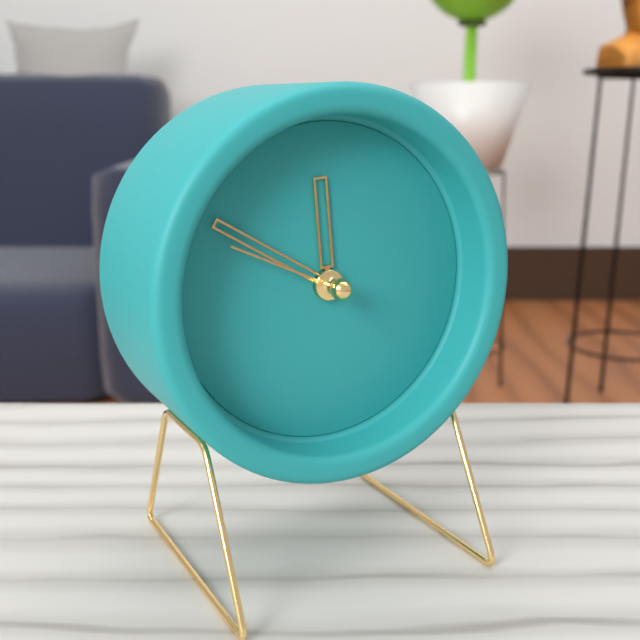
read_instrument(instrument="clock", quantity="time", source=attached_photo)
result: 11:50:49
